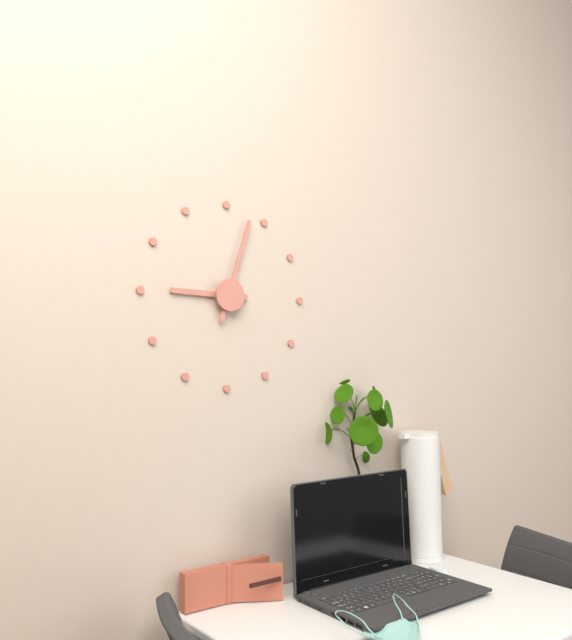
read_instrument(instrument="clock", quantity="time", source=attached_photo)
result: 9:03
